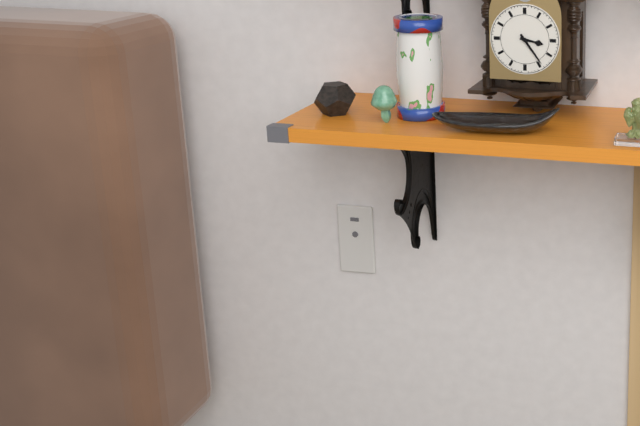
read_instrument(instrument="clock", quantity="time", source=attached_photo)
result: 3:24
